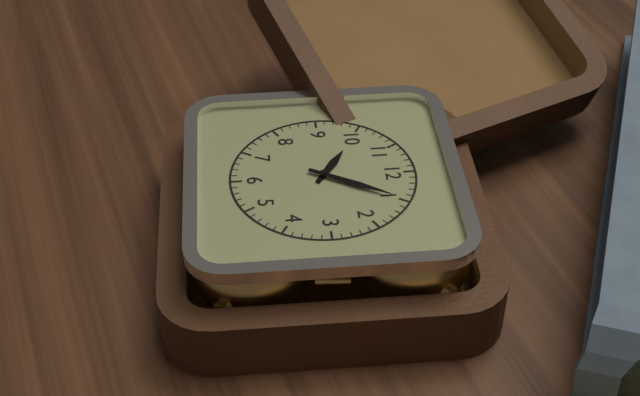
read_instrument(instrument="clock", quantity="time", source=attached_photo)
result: 10:05
